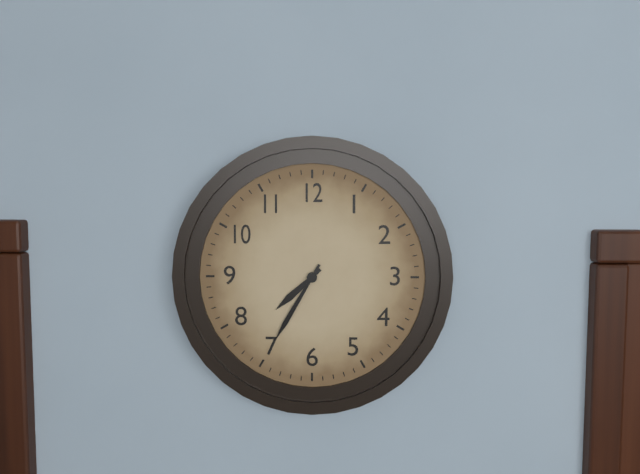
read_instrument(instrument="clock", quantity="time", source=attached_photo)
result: 7:35
